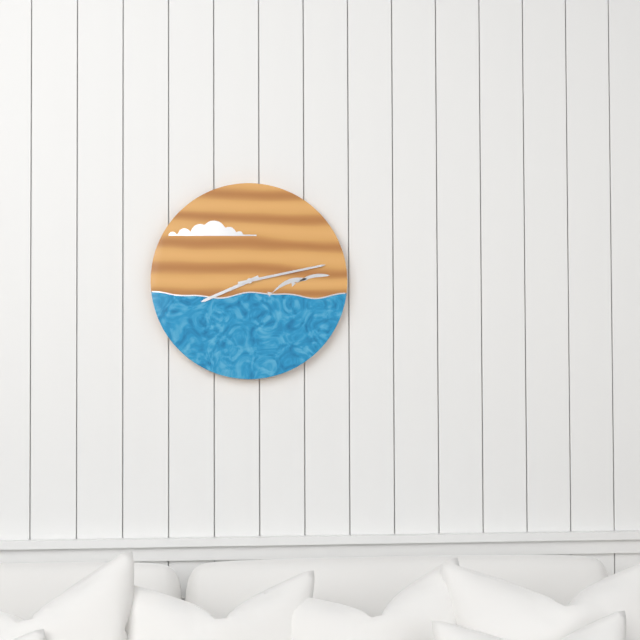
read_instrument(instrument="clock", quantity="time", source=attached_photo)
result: 8:13
